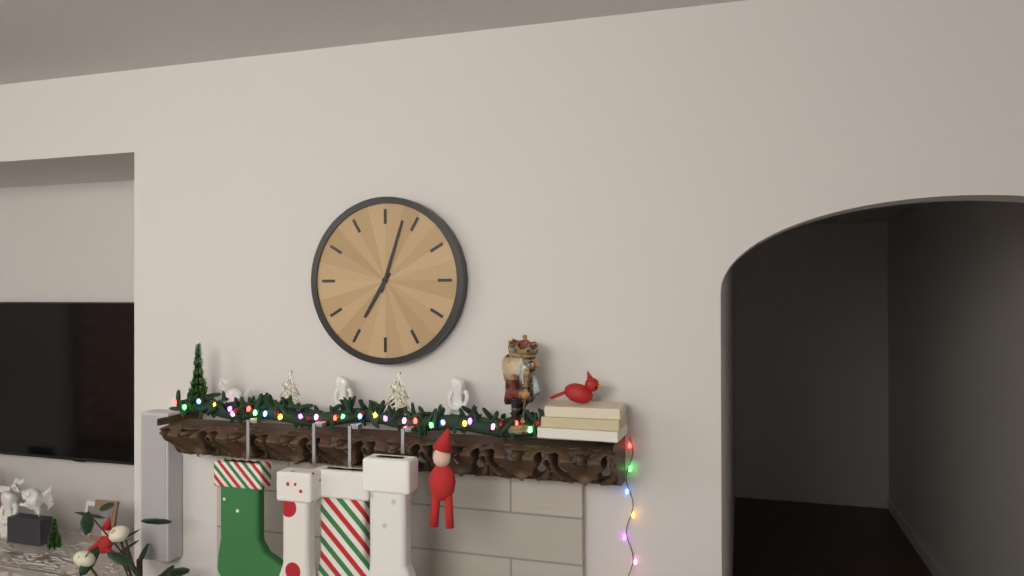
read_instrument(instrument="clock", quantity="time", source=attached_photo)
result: 7:03
